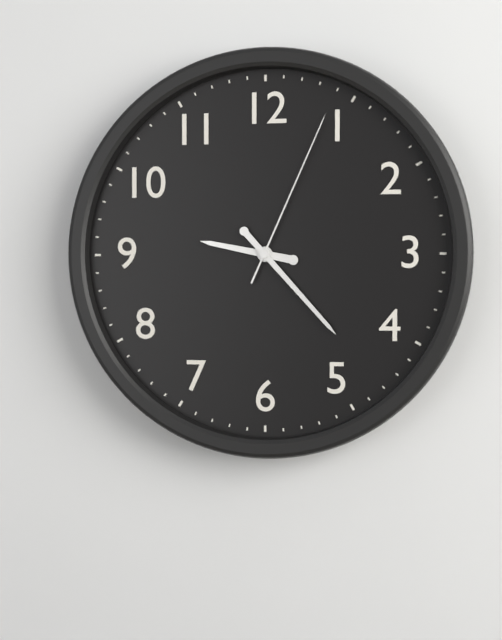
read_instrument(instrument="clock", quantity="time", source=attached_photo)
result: 9:23:04
